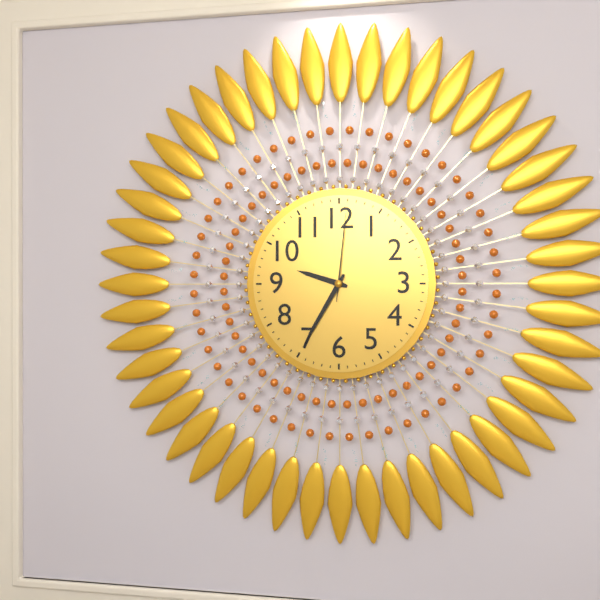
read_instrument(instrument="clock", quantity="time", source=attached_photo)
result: 9:35:01
